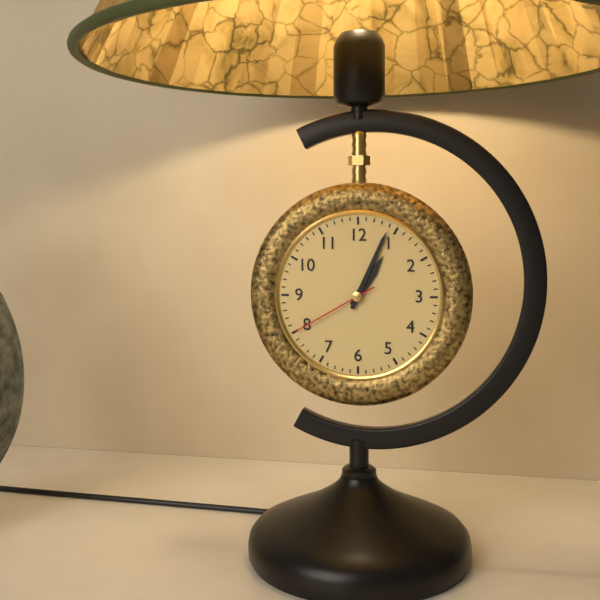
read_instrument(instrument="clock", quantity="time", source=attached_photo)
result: 1:04:40
